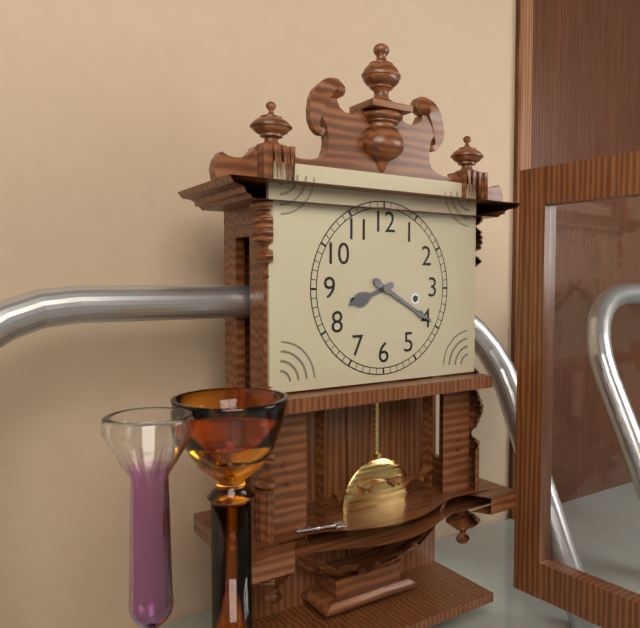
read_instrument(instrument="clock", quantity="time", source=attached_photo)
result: 8:20
